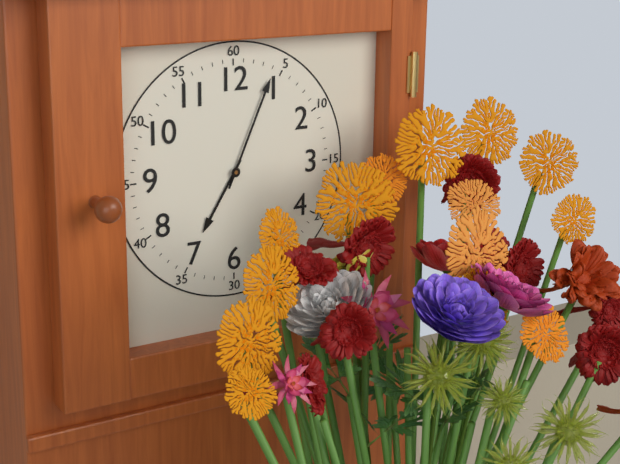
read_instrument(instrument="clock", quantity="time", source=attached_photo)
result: 7:04
